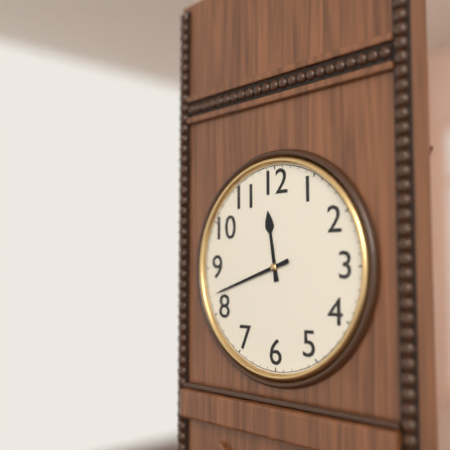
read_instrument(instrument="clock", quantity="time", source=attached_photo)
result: 11:42
